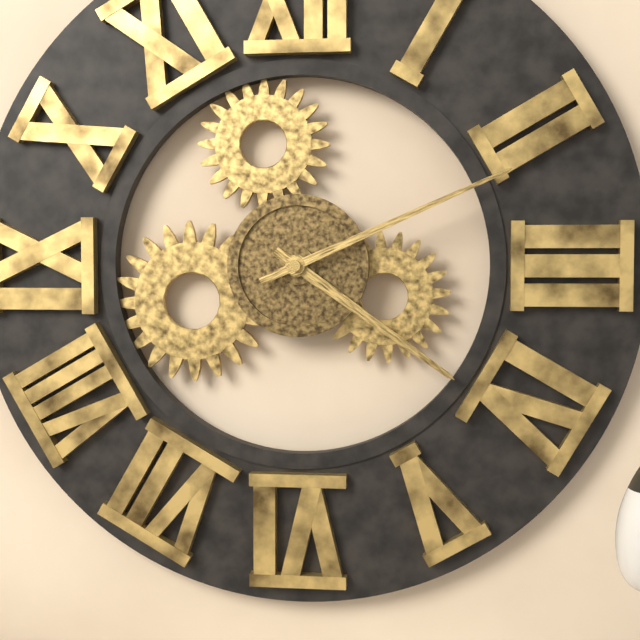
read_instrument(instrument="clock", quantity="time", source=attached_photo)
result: 4:11
